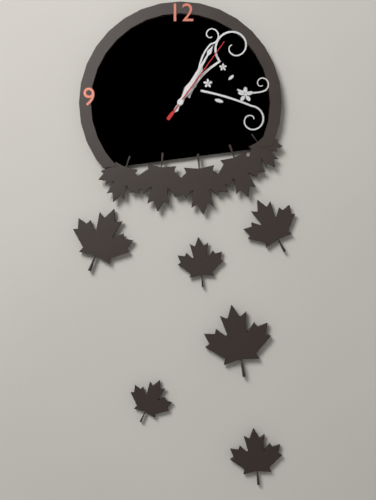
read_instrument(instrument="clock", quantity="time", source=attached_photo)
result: 1:05:06
